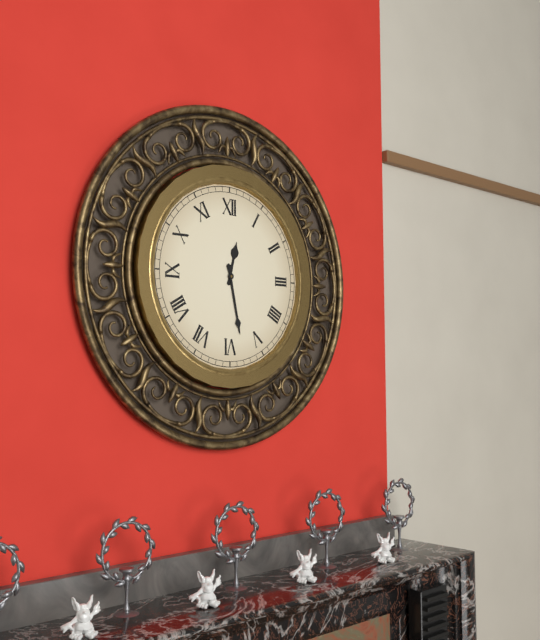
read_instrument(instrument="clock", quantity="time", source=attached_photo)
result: 12:28
